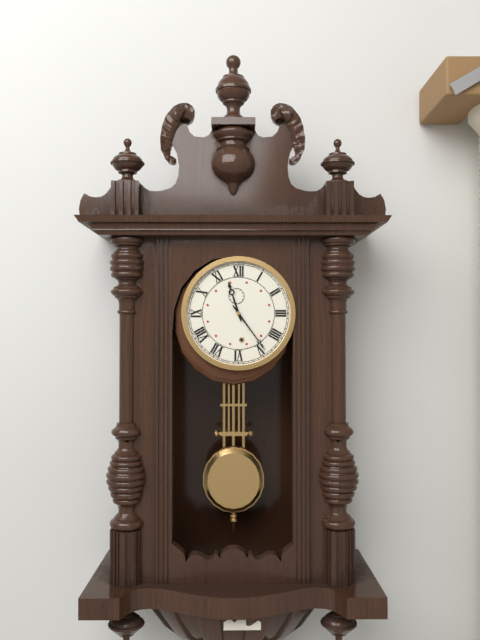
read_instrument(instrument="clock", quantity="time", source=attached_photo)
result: 11:24
